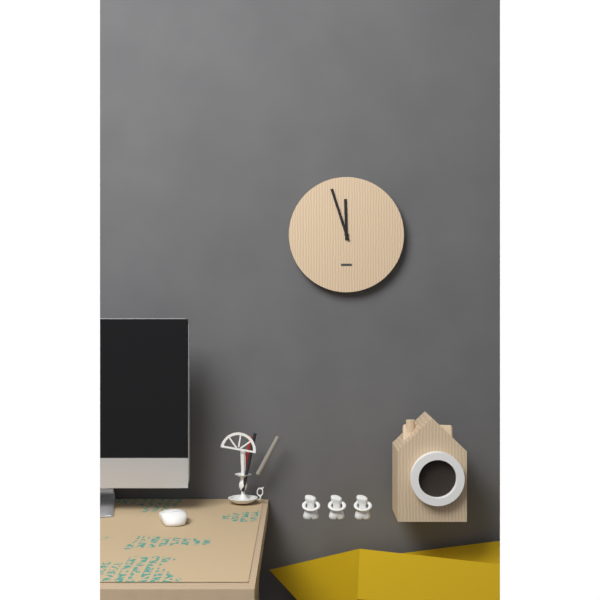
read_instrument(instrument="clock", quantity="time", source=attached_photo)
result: 11:57
